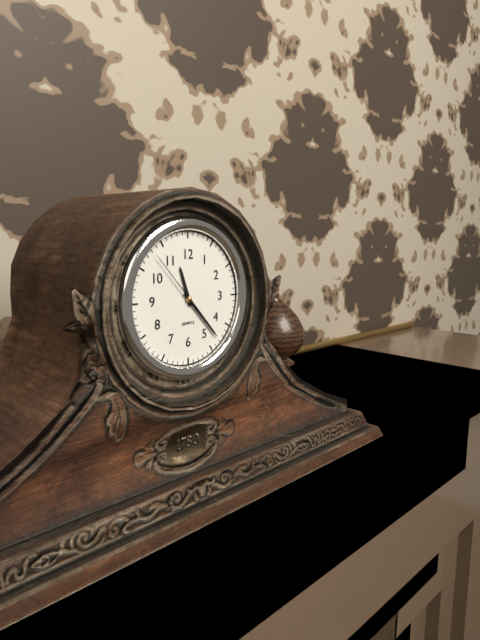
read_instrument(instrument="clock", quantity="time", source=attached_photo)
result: 11:23:53
